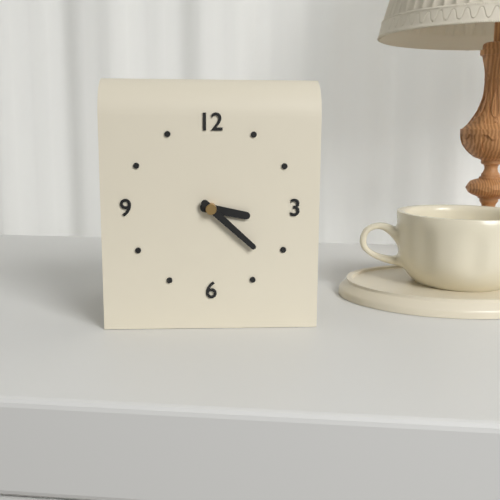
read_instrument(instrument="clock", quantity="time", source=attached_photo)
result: 3:22
